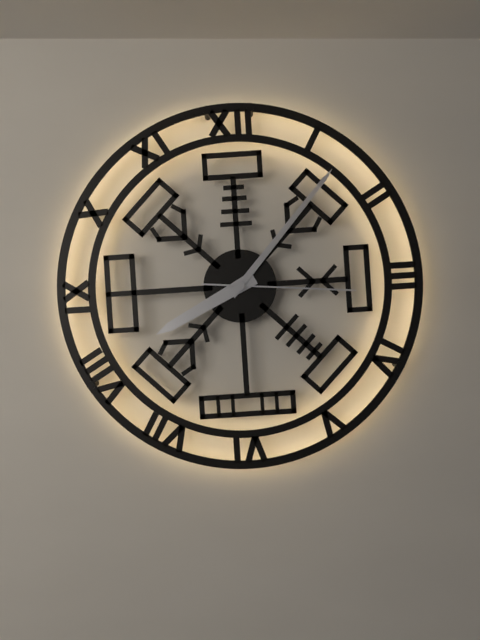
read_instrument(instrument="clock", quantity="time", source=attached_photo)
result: 8:07:16
